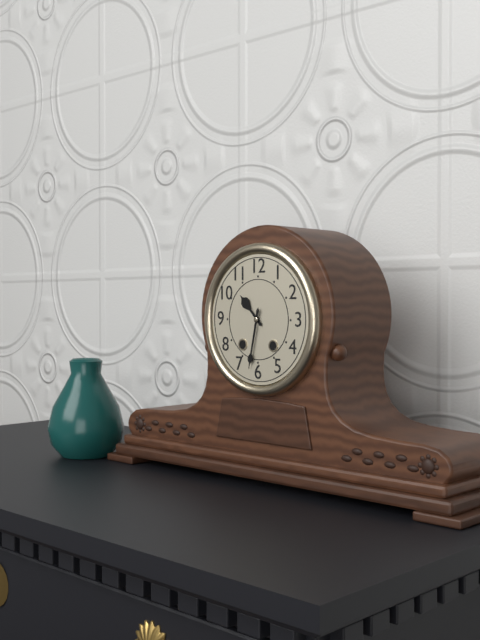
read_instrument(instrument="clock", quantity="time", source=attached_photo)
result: 10:32
